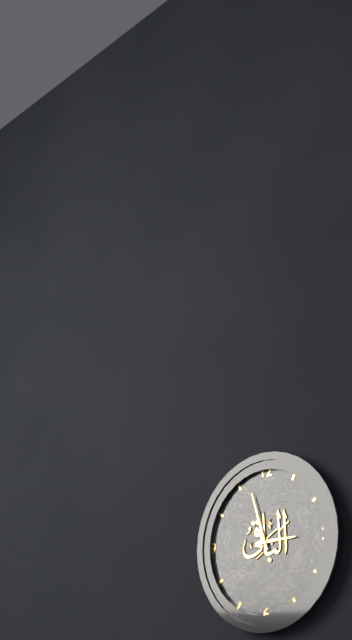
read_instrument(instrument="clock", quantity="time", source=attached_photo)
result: 2:57
